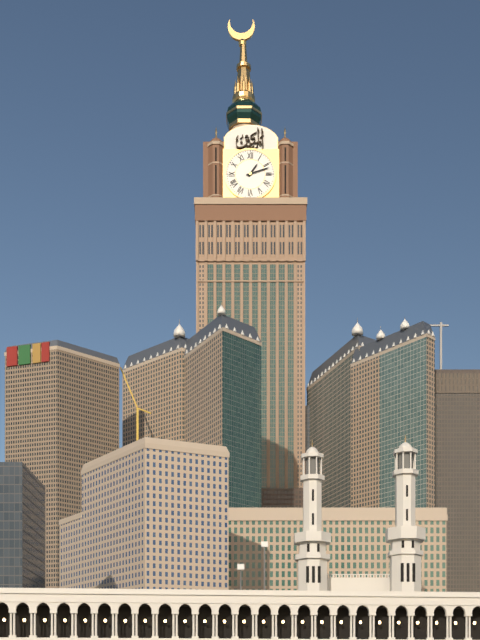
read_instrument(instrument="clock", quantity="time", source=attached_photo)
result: 1:12
